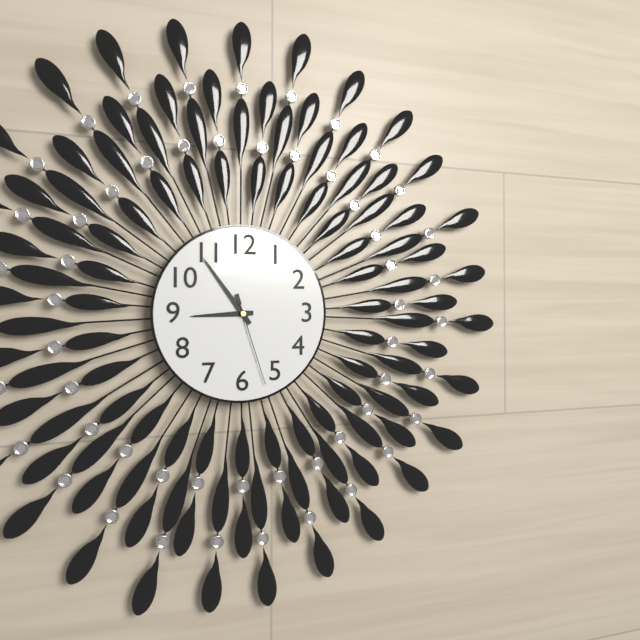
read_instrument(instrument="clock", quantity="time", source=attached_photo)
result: 8:54:27
